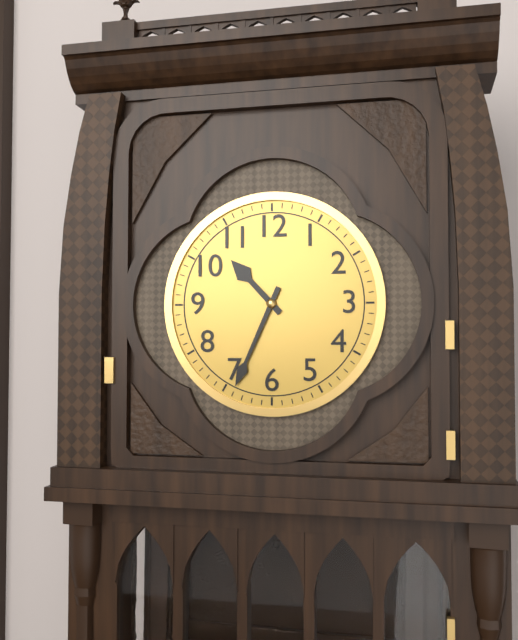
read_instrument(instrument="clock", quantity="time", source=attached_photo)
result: 10:34
